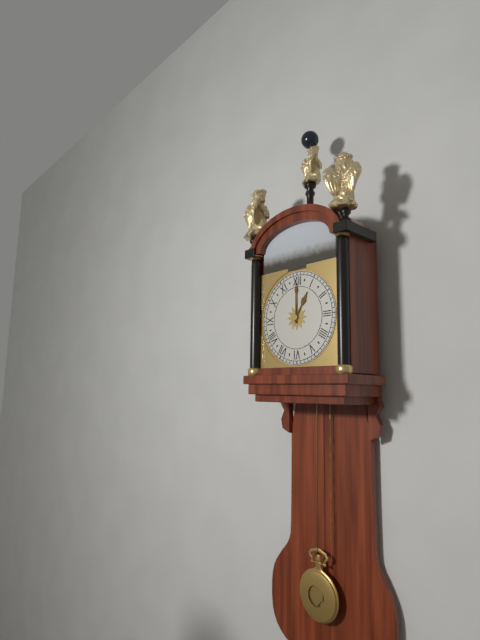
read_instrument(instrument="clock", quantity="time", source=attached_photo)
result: 1:00
